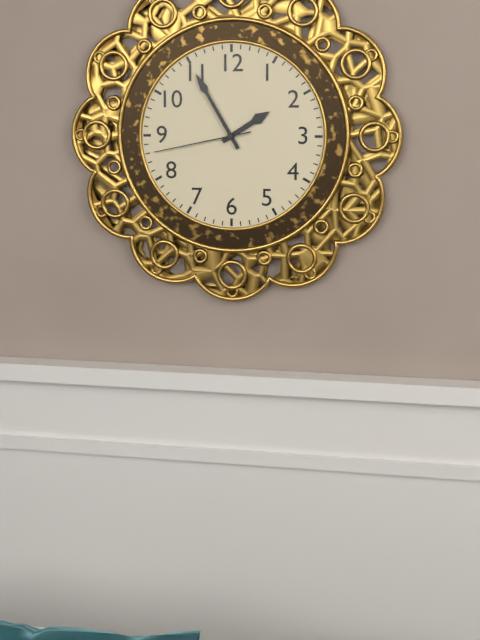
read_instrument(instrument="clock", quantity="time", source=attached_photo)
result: 1:55:43
